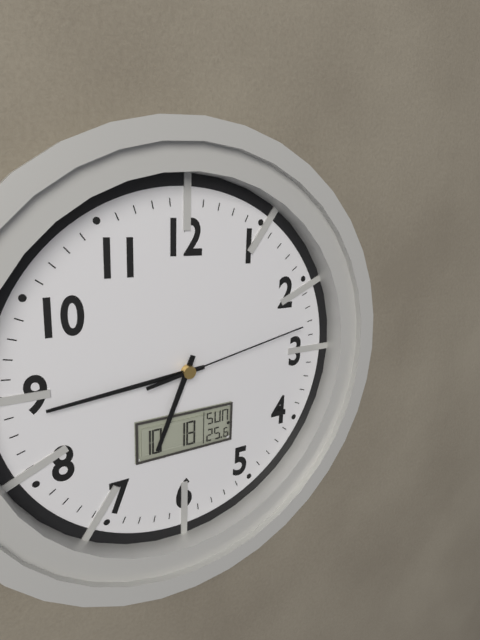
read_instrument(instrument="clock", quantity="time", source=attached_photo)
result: 6:44:13
